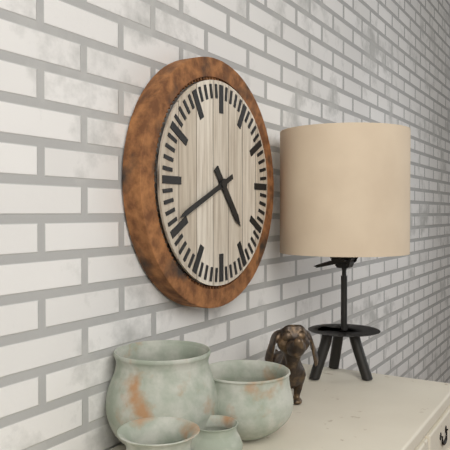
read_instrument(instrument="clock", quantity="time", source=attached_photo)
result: 4:41
